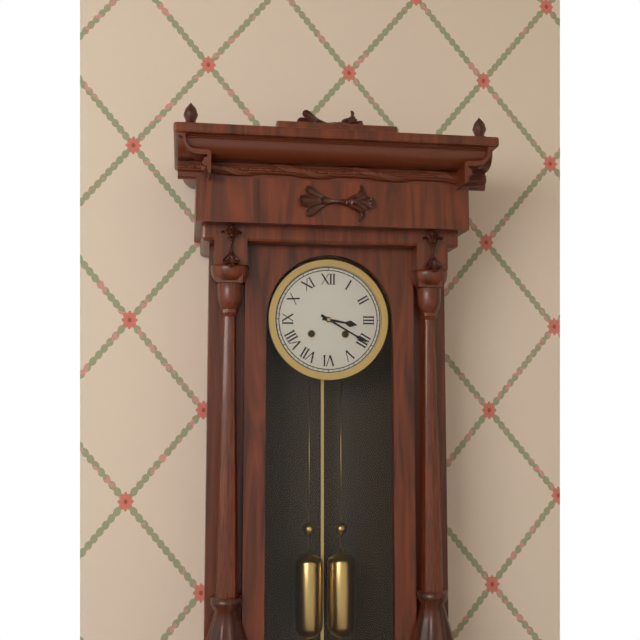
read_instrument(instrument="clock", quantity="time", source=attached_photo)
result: 3:20
